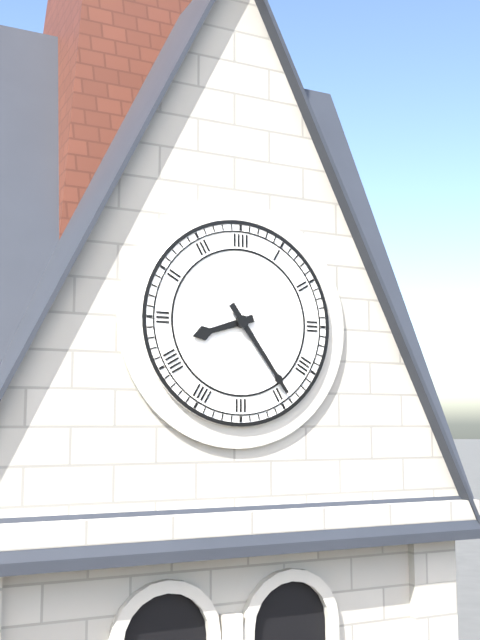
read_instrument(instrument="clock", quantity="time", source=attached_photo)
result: 8:24
